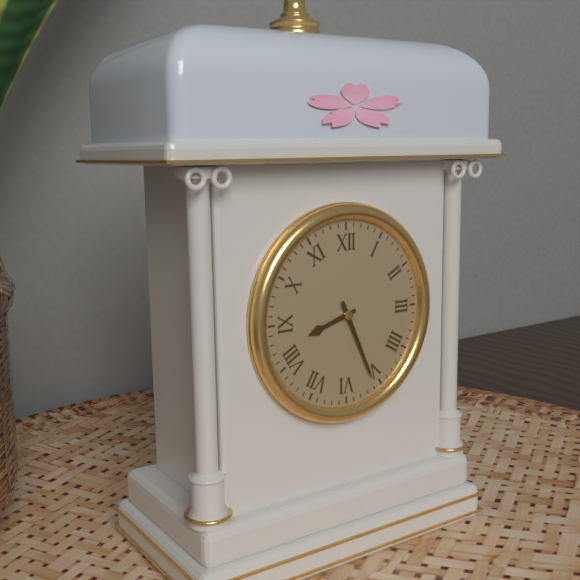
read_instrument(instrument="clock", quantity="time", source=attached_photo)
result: 8:26
